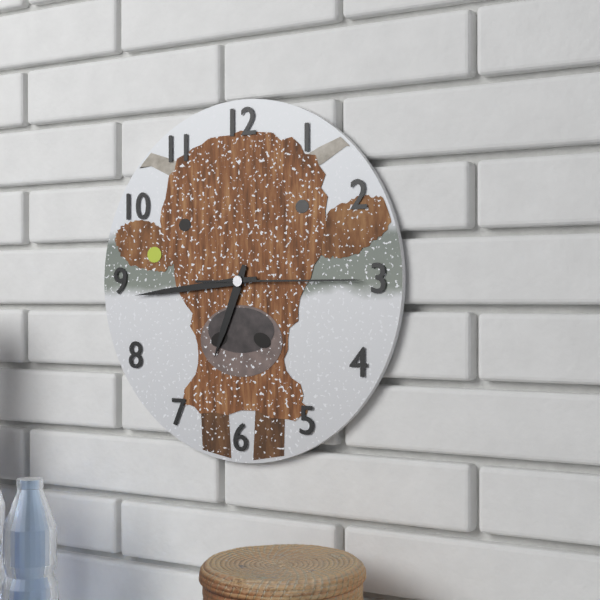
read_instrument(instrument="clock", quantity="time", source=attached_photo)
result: 6:44:15
